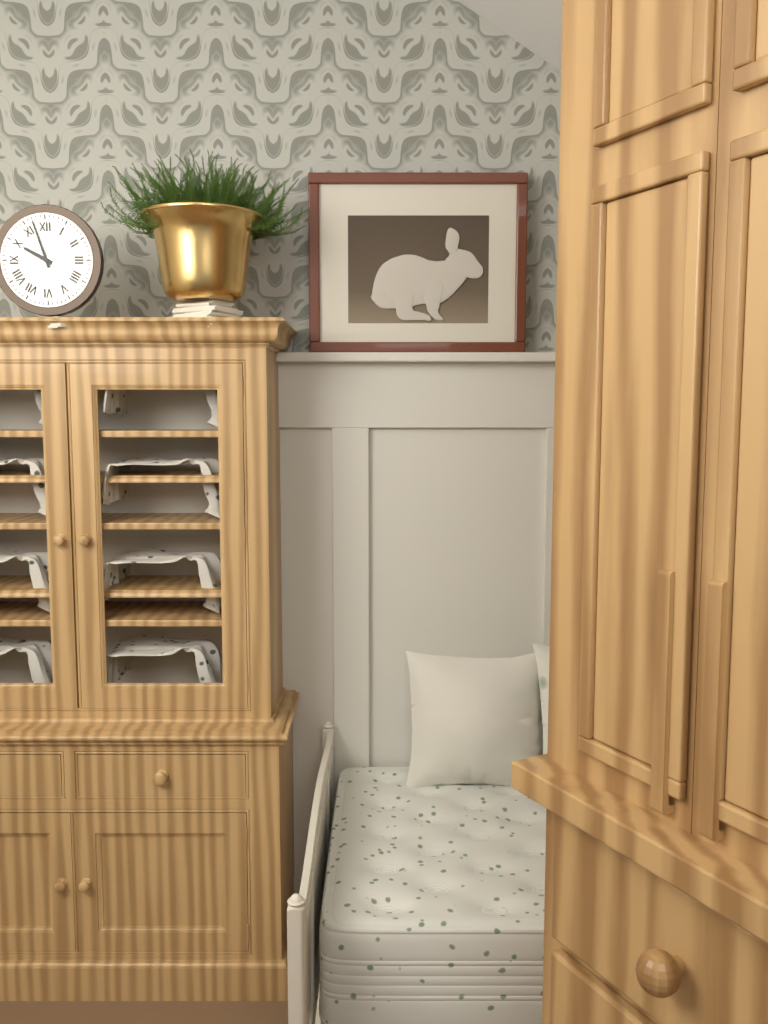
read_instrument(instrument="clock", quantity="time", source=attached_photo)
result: 9:57
